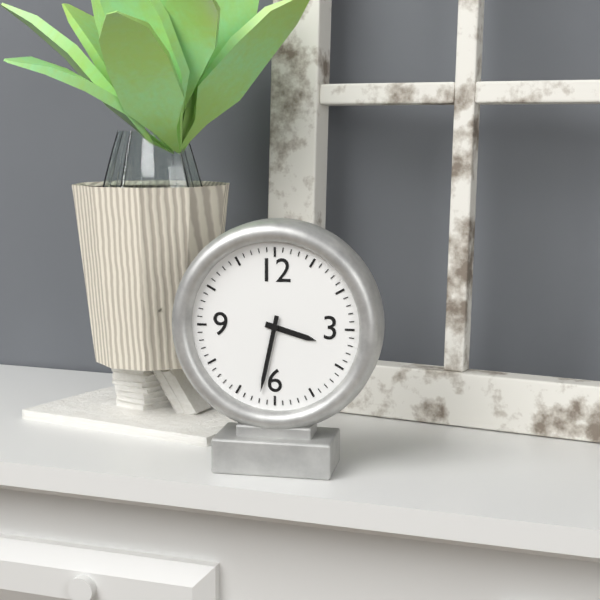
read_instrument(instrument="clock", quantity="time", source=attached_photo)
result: 3:32
